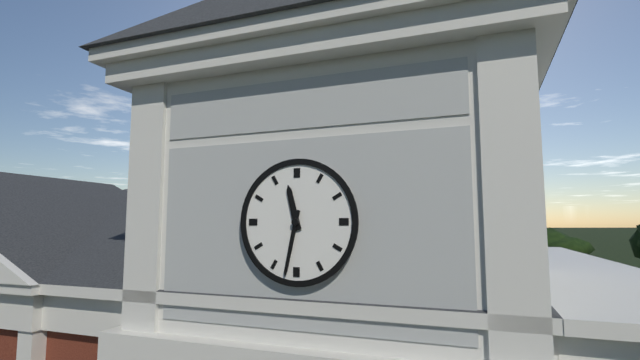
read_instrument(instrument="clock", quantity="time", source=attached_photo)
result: 11:32
